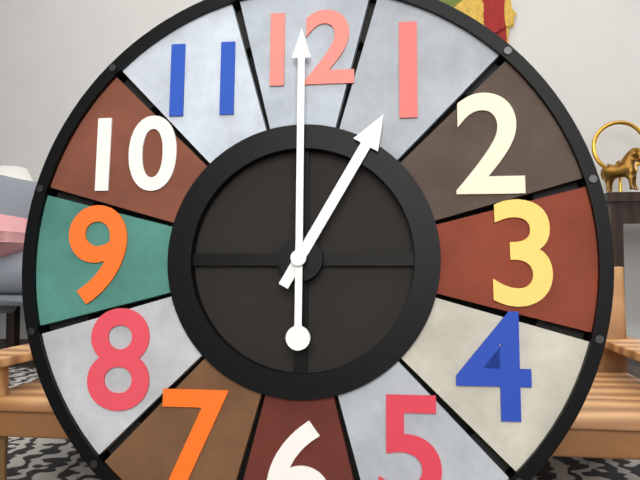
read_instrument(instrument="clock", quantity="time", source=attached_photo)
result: 1:00
